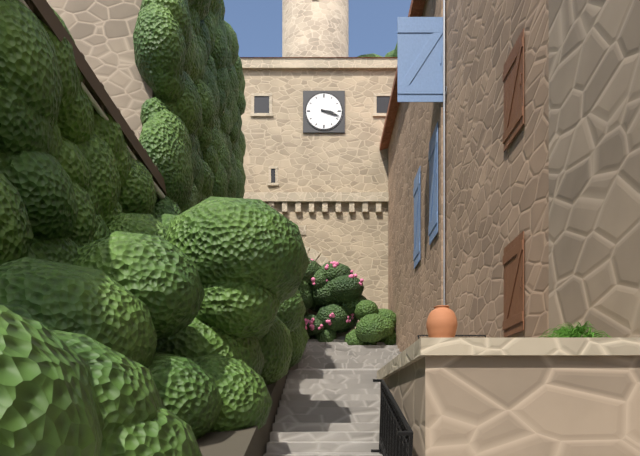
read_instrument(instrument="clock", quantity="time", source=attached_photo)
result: 3:18
